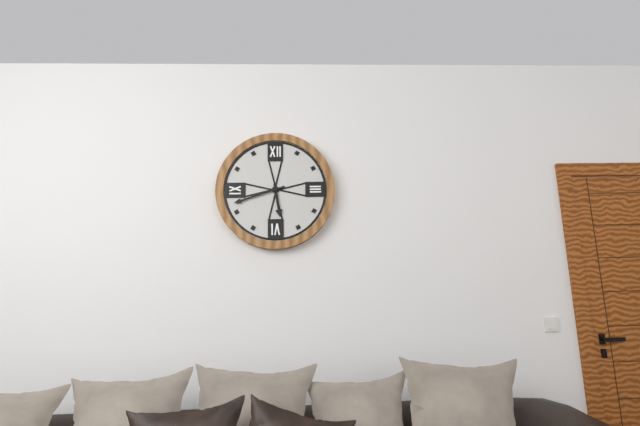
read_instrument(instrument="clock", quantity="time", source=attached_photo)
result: 5:42
